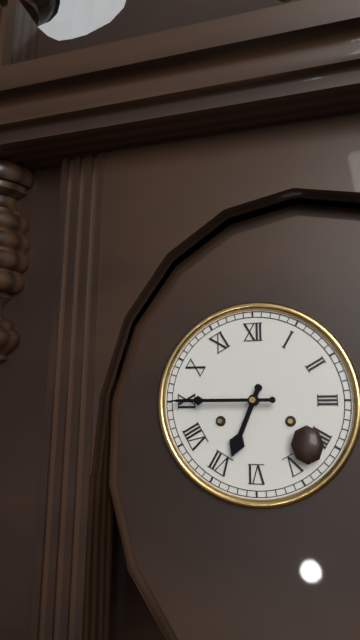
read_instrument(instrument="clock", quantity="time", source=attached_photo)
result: 6:45
